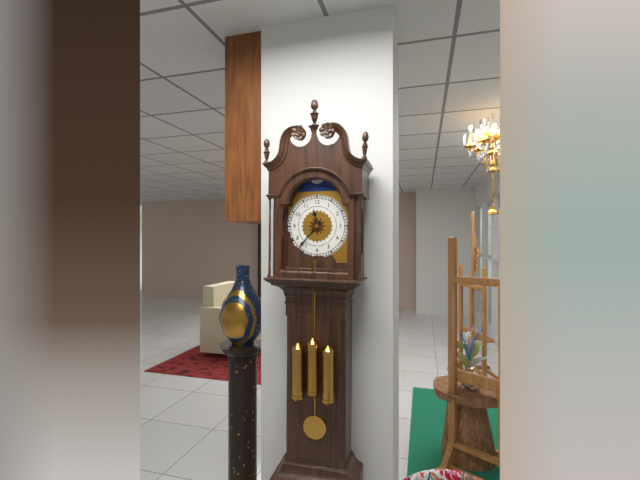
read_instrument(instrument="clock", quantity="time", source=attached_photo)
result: 11:37
